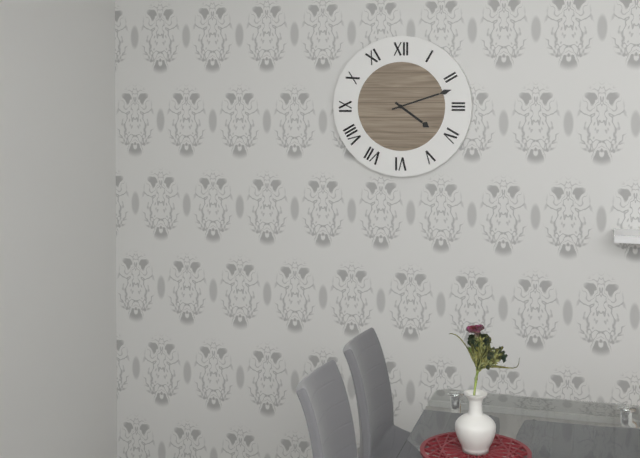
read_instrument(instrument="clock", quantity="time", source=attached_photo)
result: 4:12
